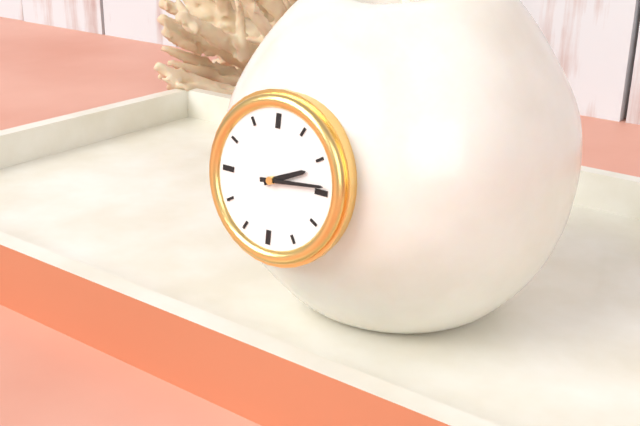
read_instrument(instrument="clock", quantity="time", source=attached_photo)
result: 2:14
